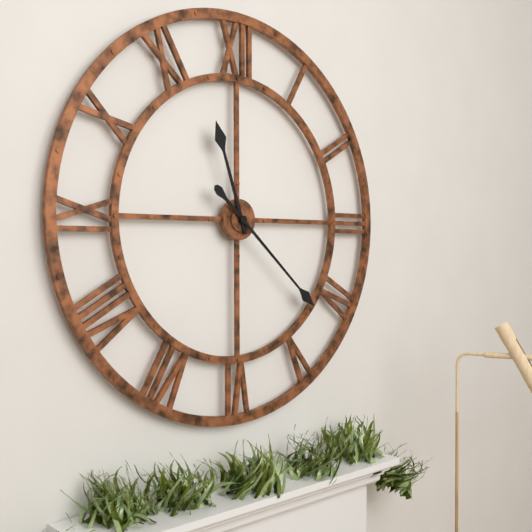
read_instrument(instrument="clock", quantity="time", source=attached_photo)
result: 11:22
